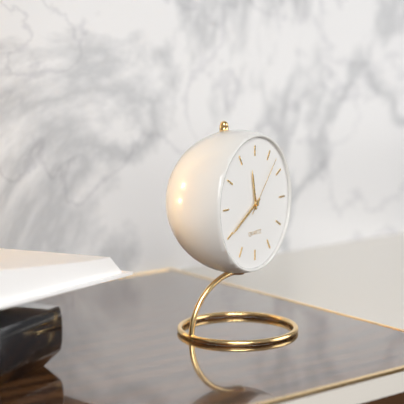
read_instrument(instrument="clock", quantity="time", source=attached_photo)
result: 11:40:07
